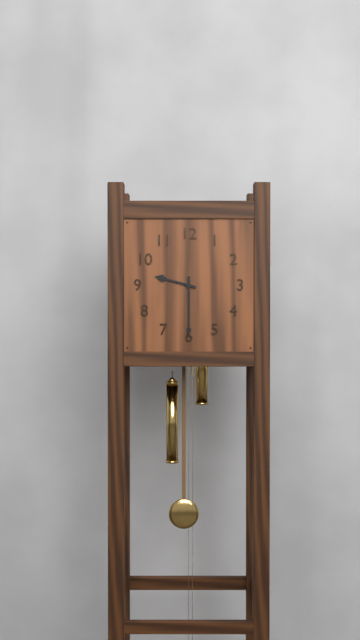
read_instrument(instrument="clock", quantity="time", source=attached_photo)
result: 9:30
